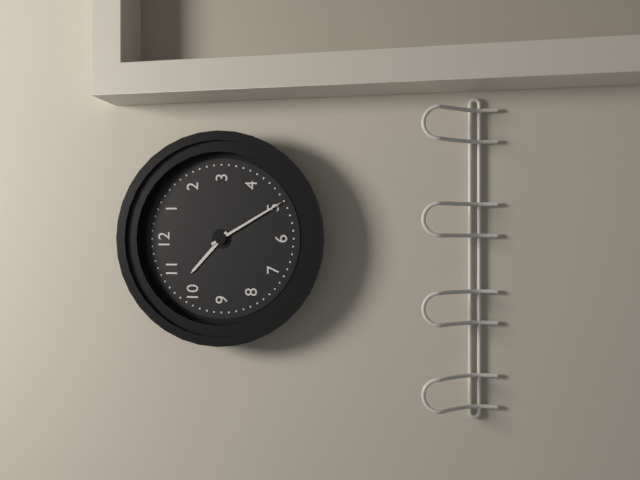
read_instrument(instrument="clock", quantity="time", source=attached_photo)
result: 10:25
